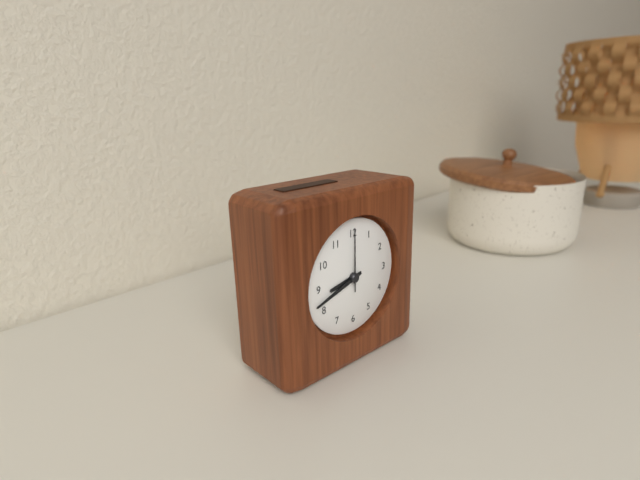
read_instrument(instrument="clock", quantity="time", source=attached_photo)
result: 8:42:00
